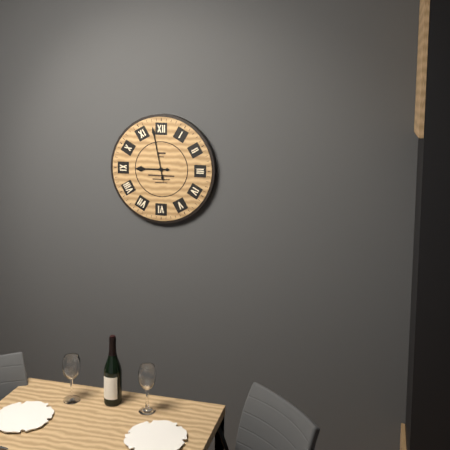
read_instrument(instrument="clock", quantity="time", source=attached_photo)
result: 8:58
